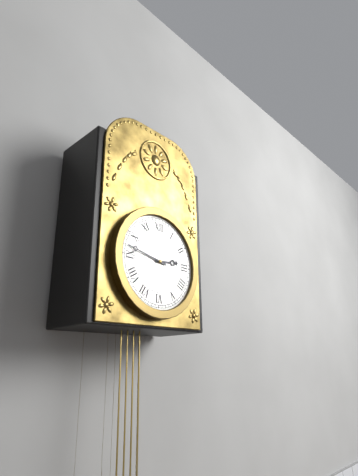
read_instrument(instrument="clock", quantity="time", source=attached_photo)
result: 2:47
